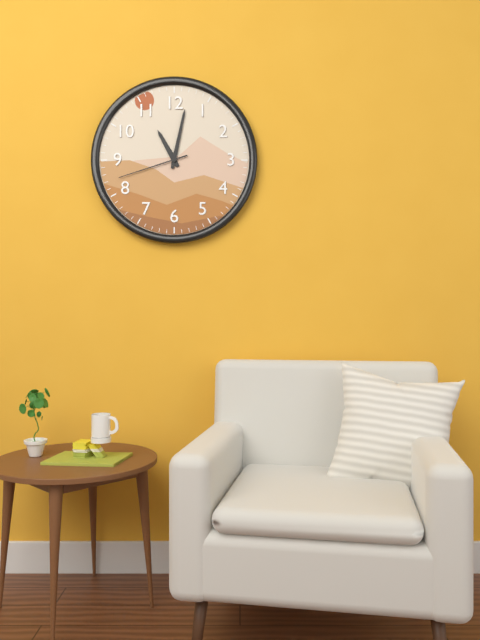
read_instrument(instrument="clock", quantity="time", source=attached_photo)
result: 11:02:42
